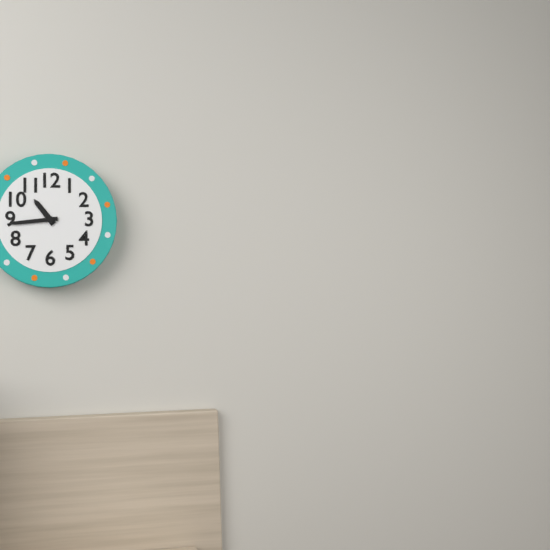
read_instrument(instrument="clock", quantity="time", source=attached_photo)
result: 10:44
